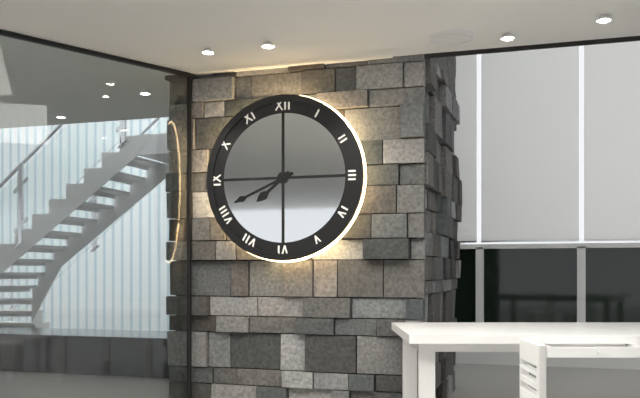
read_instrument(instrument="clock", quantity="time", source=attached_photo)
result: 7:41
